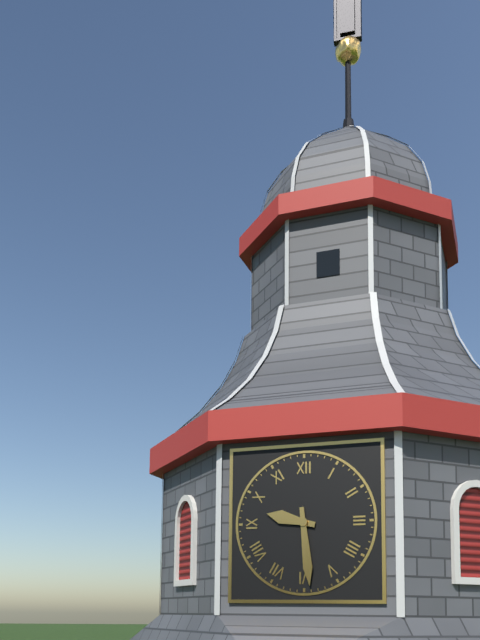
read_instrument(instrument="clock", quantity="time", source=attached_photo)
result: 9:29
